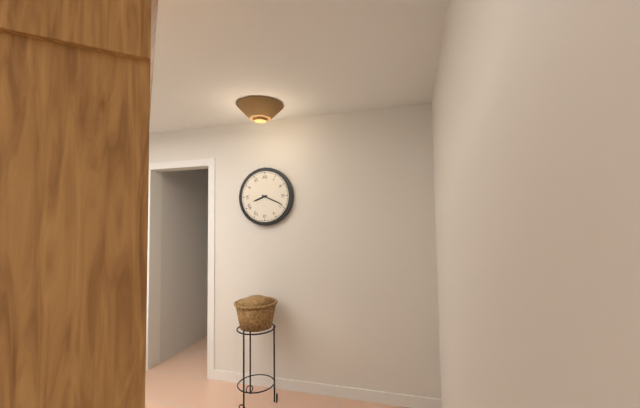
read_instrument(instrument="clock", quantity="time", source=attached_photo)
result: 8:19
